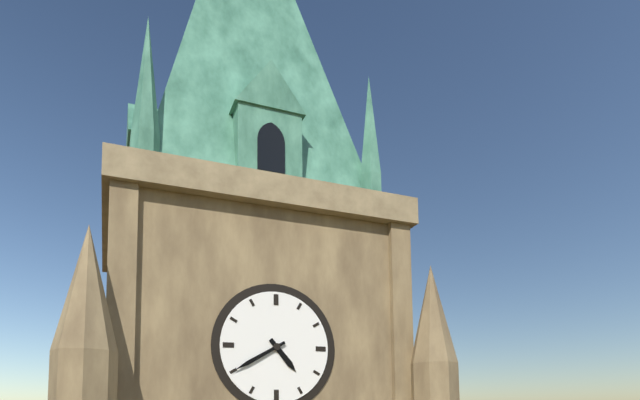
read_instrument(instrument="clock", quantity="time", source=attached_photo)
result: 4:40
